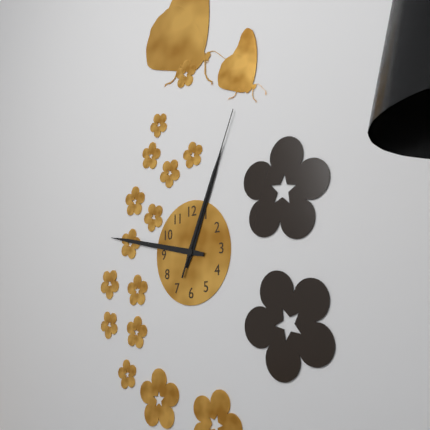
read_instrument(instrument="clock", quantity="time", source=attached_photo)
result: 12:47:04
